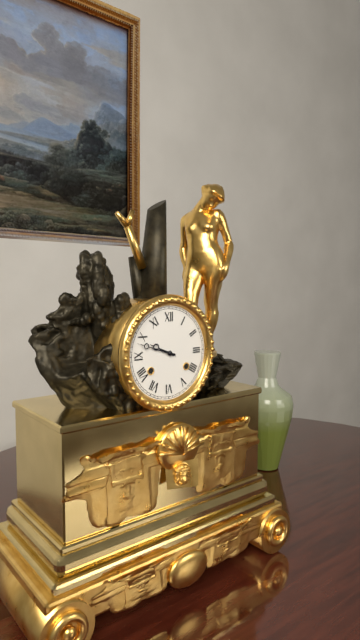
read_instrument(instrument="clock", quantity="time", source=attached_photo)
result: 9:48
